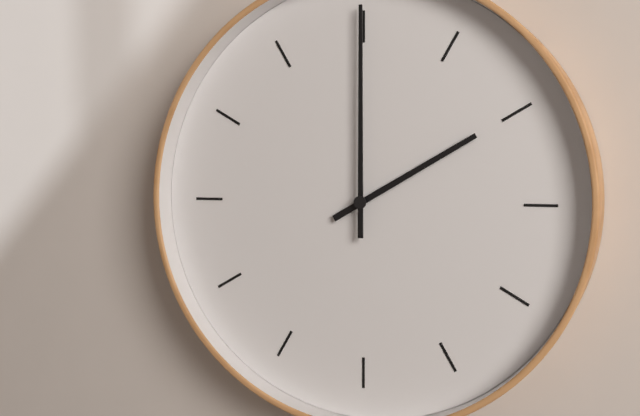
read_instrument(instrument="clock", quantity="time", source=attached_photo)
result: 2:00
